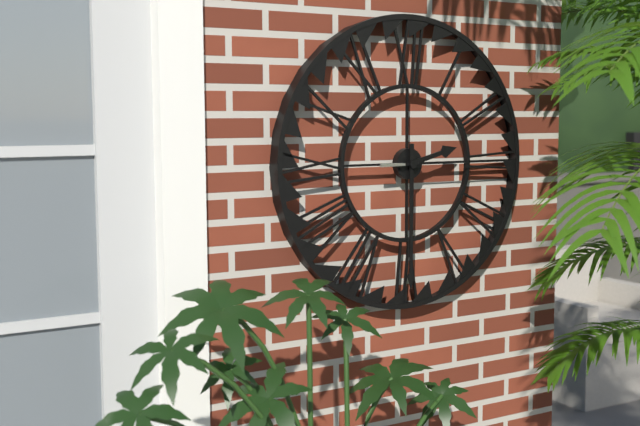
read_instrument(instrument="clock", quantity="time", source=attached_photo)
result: 2:30:15
